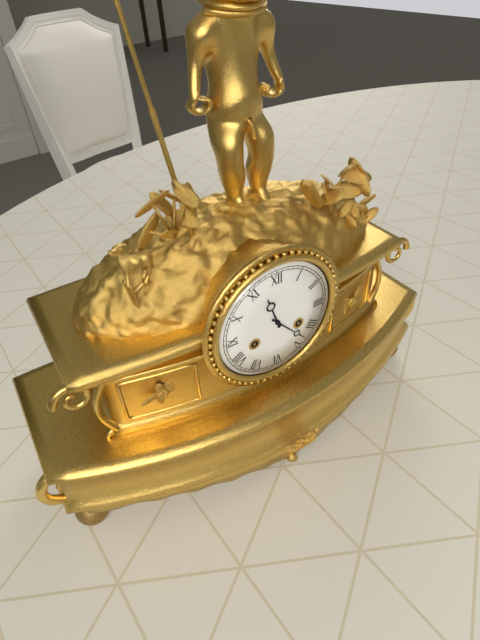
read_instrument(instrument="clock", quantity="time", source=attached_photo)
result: 11:23
